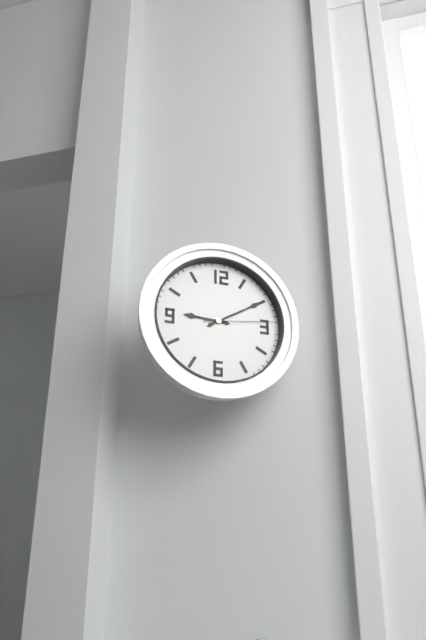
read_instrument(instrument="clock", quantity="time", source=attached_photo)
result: 9:10:14
